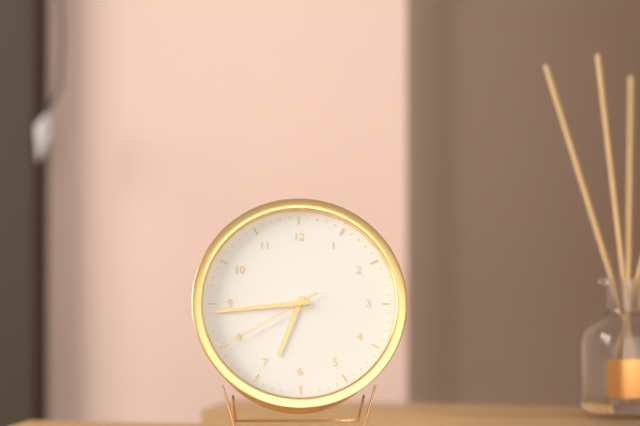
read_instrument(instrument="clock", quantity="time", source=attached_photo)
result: 6:44:40
